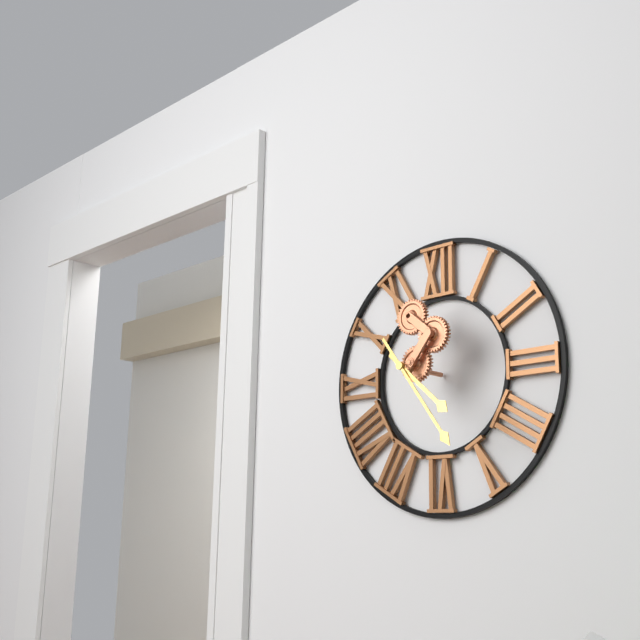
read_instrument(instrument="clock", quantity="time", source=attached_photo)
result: 4:24
